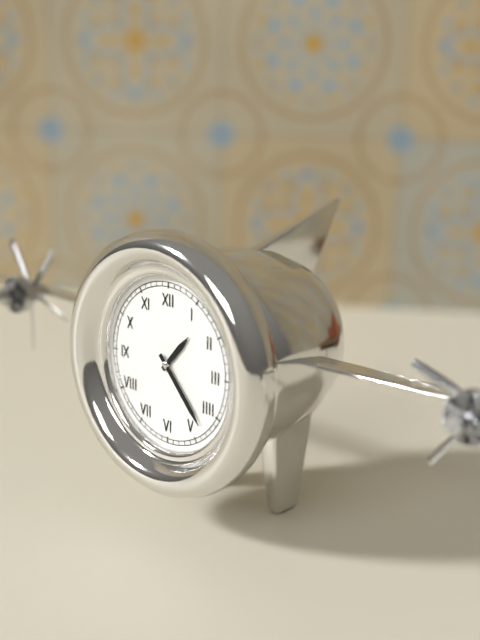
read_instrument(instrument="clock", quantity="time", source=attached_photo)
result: 1:23
